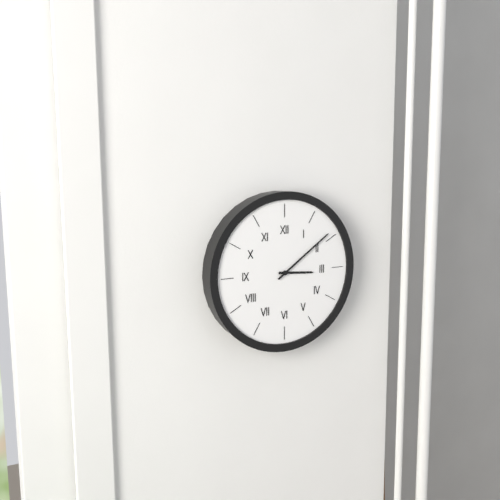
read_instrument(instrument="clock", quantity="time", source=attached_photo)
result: 3:09
